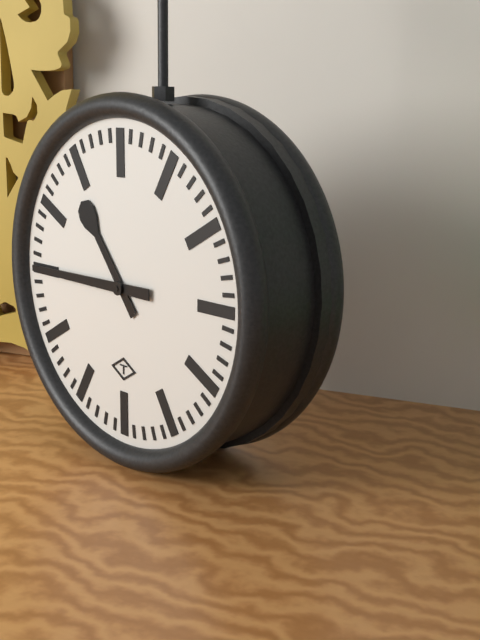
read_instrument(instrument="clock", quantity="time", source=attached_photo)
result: 10:45
